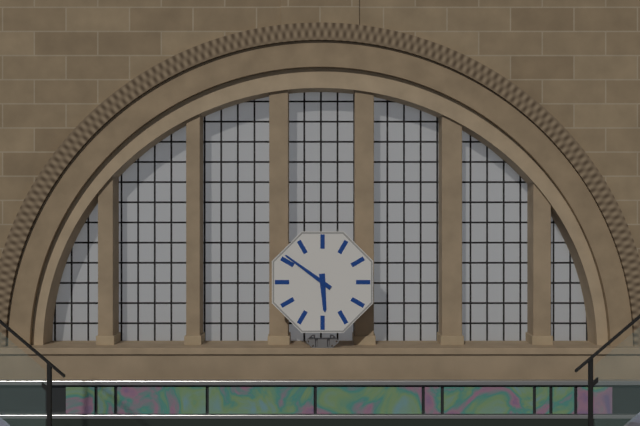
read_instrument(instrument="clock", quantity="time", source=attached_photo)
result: 5:51
